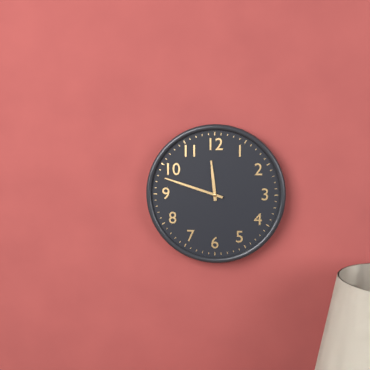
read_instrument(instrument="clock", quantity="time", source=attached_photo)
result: 11:48
